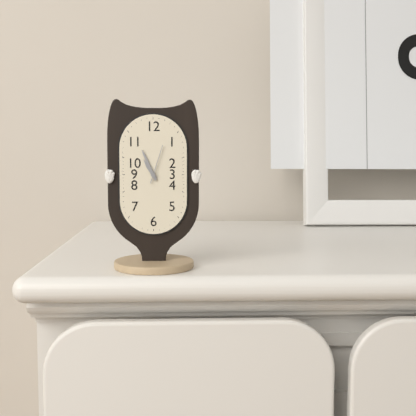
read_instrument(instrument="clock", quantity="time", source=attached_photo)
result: 10:56
